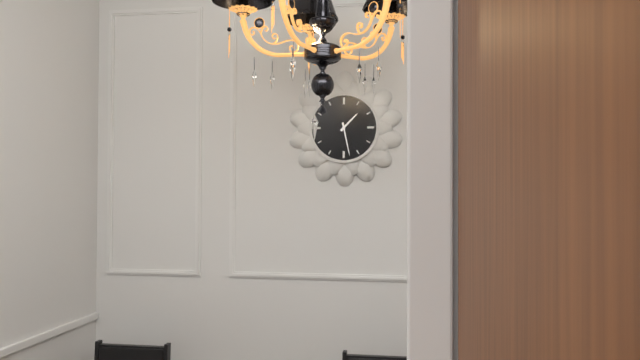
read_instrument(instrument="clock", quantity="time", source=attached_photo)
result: 1:28
